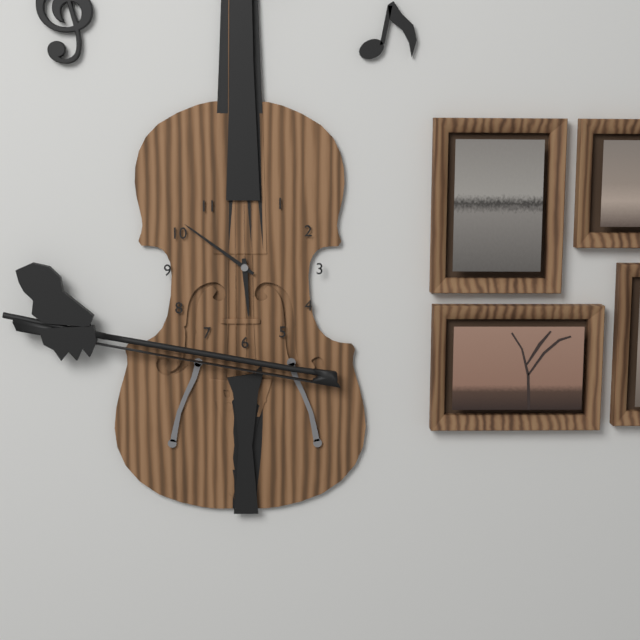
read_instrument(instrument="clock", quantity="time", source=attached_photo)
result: 5:51
